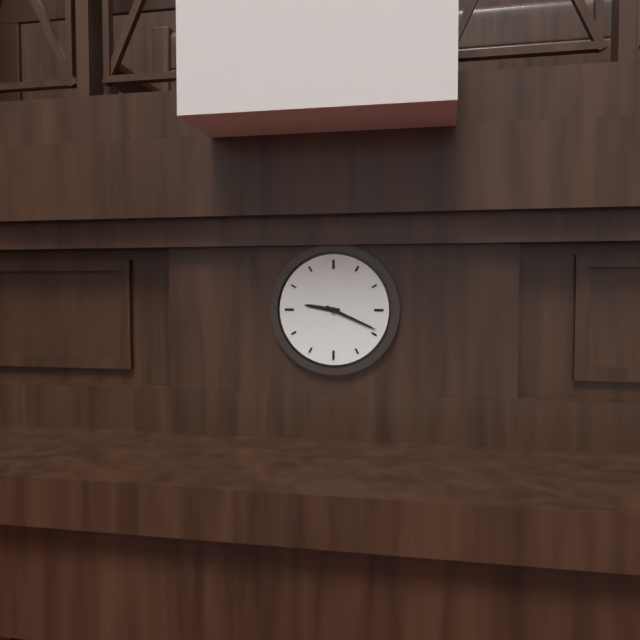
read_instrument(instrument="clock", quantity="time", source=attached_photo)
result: 9:19
